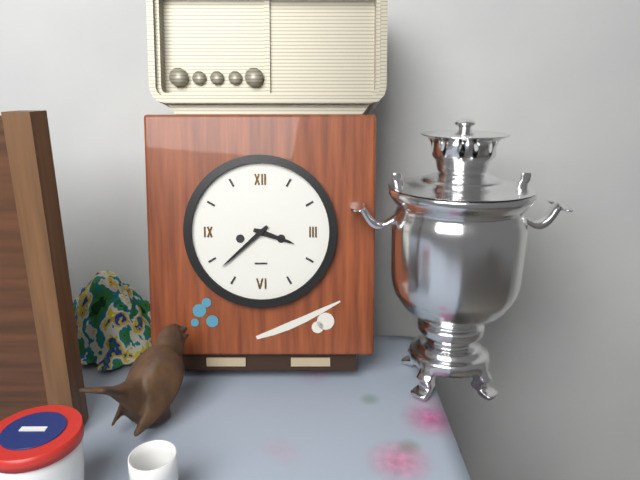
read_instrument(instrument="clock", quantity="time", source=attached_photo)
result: 3:38
